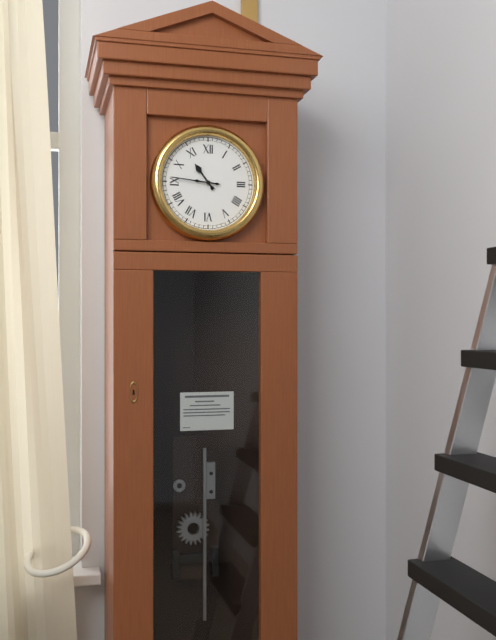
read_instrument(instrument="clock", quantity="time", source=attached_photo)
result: 10:46
